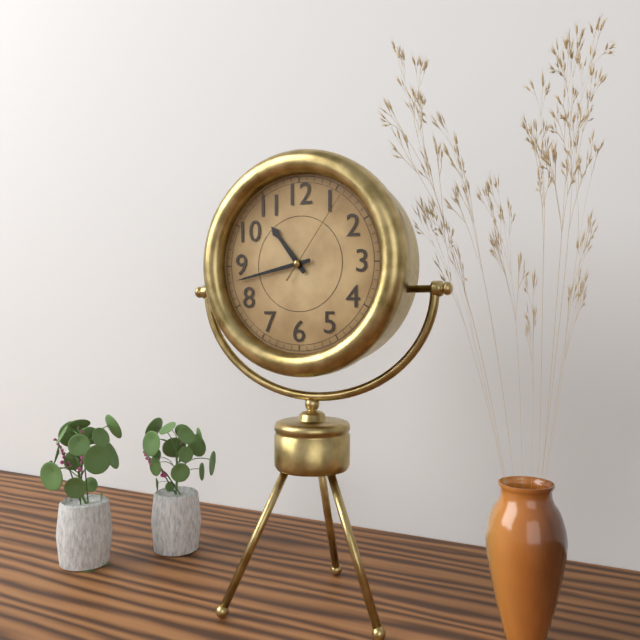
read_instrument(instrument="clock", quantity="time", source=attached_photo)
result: 10:43:06
